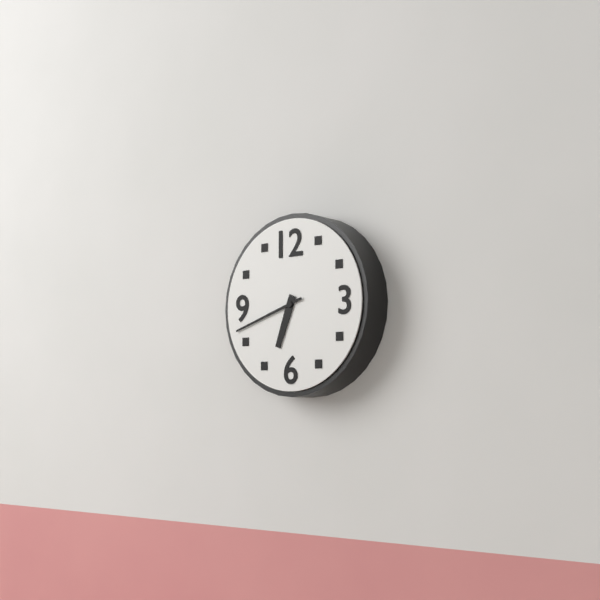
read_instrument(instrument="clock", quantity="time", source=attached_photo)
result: 6:42
